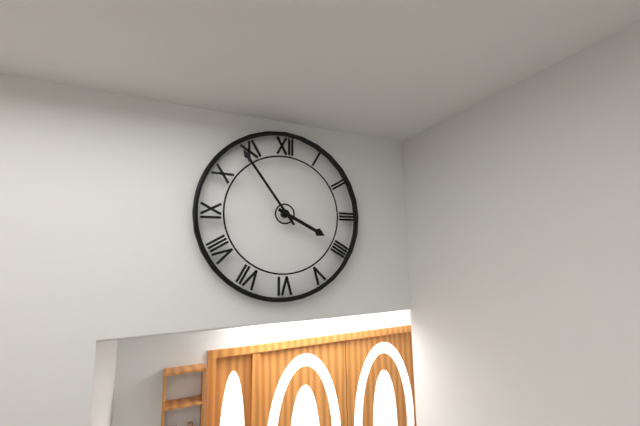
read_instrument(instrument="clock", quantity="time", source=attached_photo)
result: 3:54
